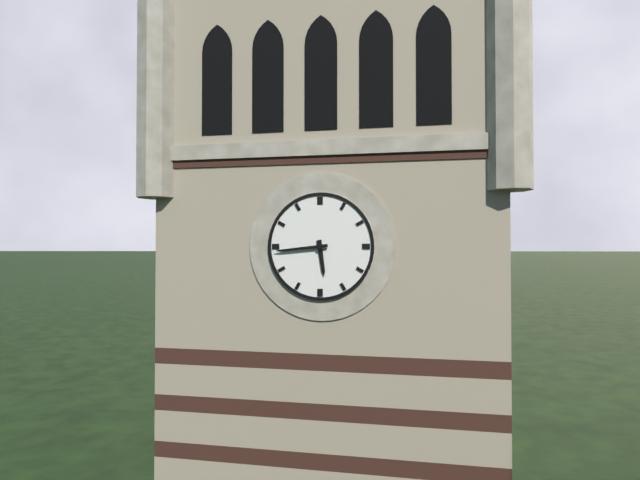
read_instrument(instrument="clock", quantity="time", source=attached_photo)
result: 5:44
